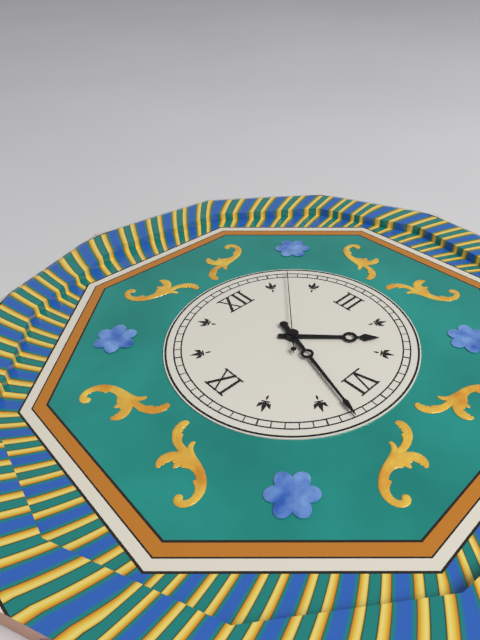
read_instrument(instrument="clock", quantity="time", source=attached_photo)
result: 4:33:07
